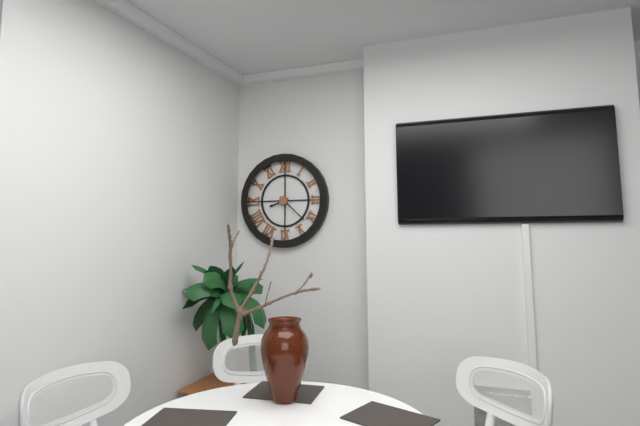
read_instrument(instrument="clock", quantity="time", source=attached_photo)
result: 8:22
